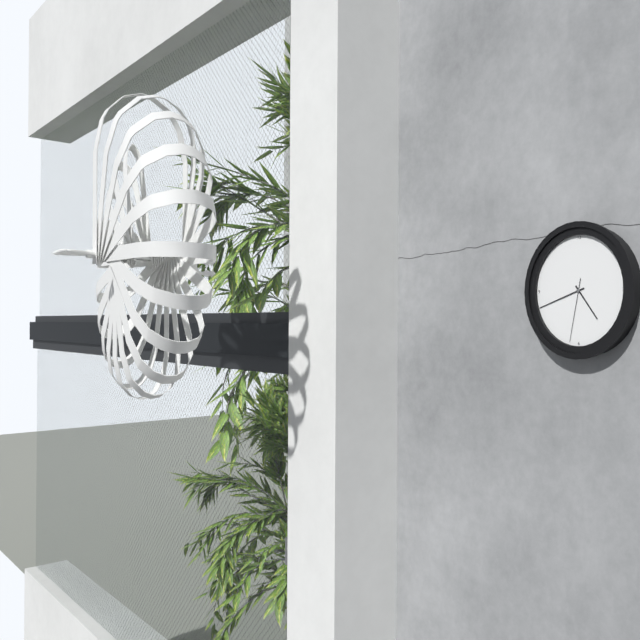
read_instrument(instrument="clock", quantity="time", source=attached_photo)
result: 4:42:32
